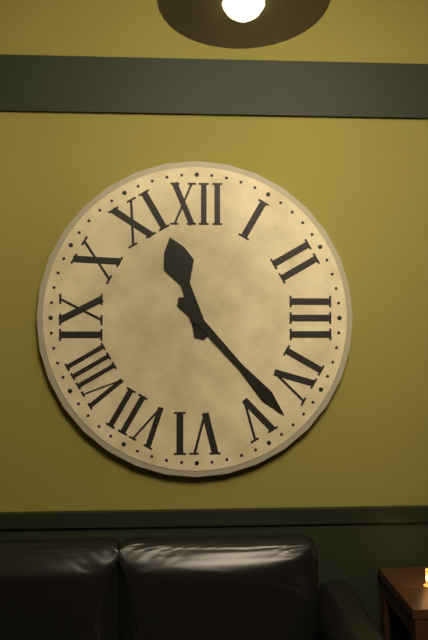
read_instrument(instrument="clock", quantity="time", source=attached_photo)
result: 11:23
